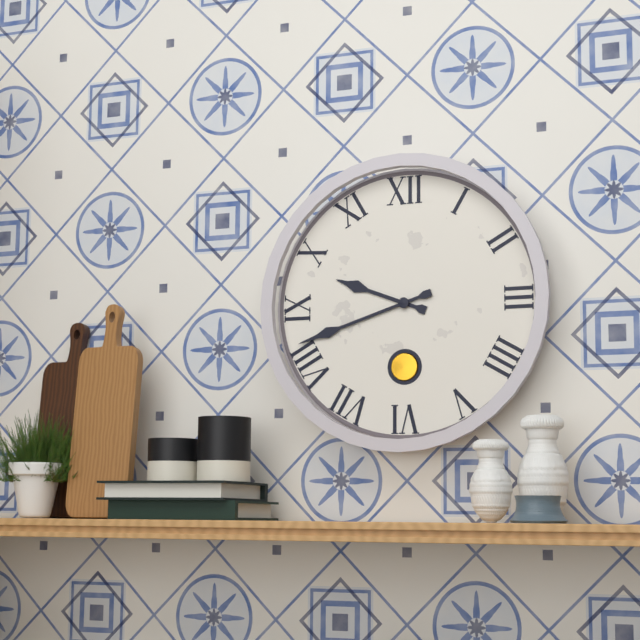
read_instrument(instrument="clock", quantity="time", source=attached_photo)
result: 9:42
